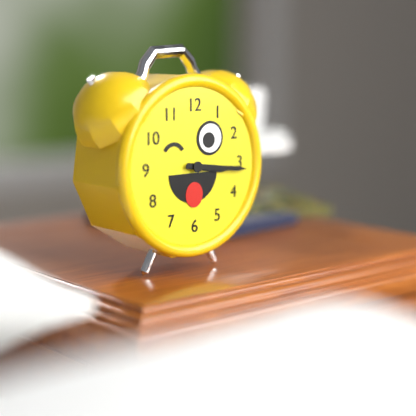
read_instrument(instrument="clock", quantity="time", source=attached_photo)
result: 3:16
